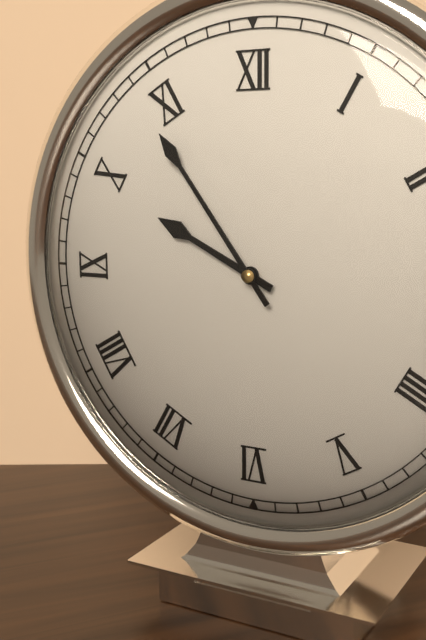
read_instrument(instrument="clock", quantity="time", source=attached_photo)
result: 9:54
